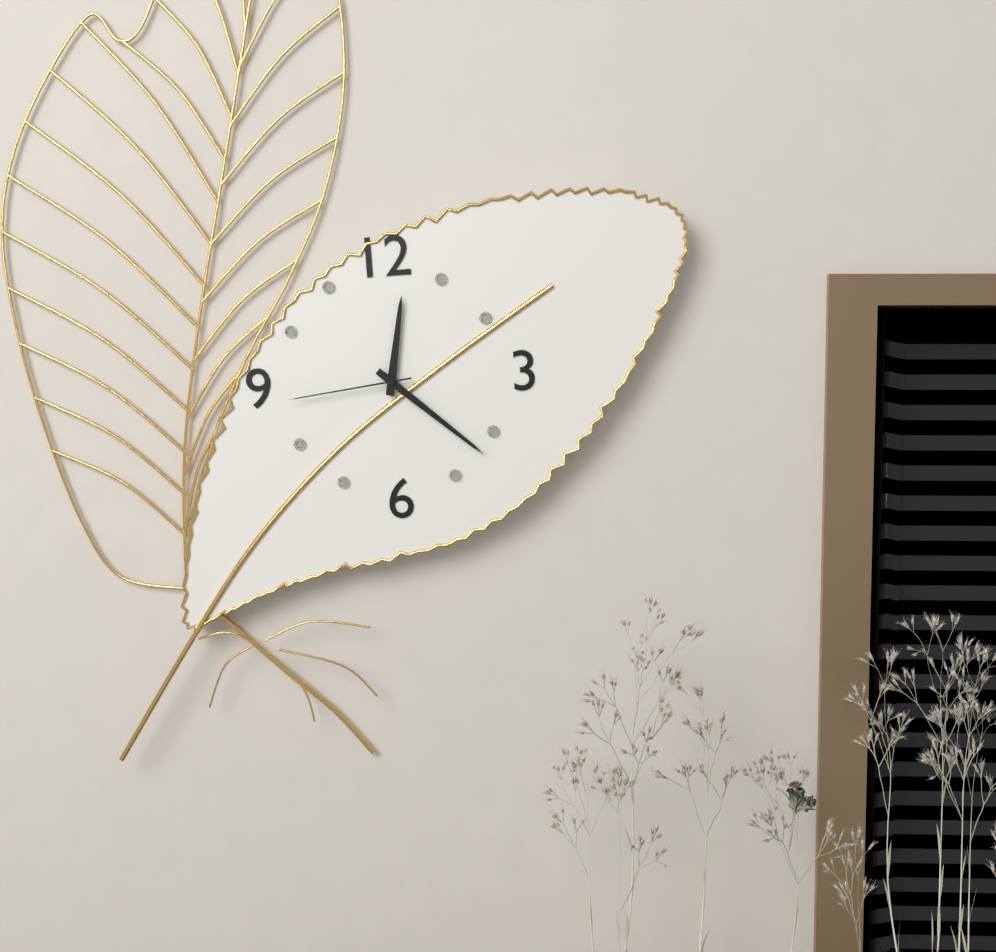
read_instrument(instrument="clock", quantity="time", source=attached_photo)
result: 12:22:44
